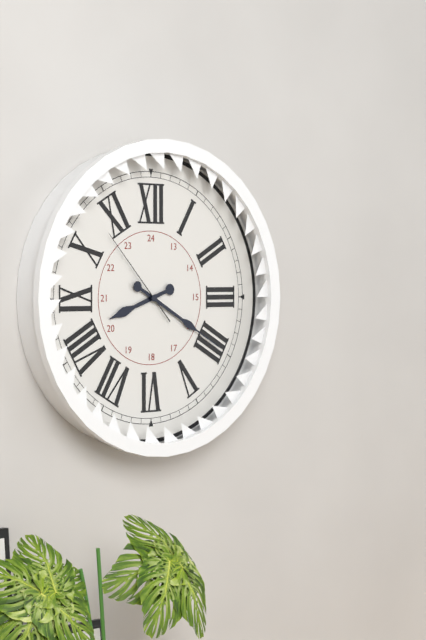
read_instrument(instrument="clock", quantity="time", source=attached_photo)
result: 8:20:53
